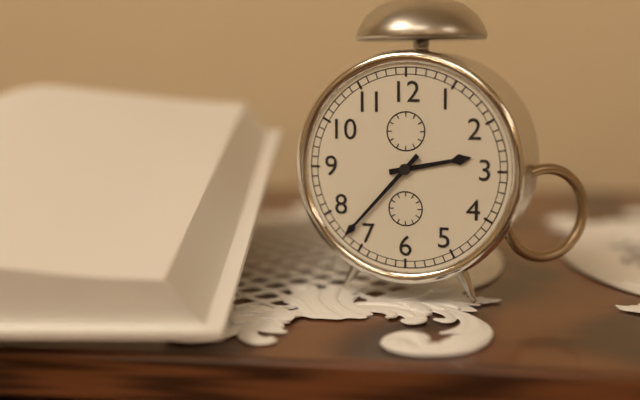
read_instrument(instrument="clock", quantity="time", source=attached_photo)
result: 2:37
